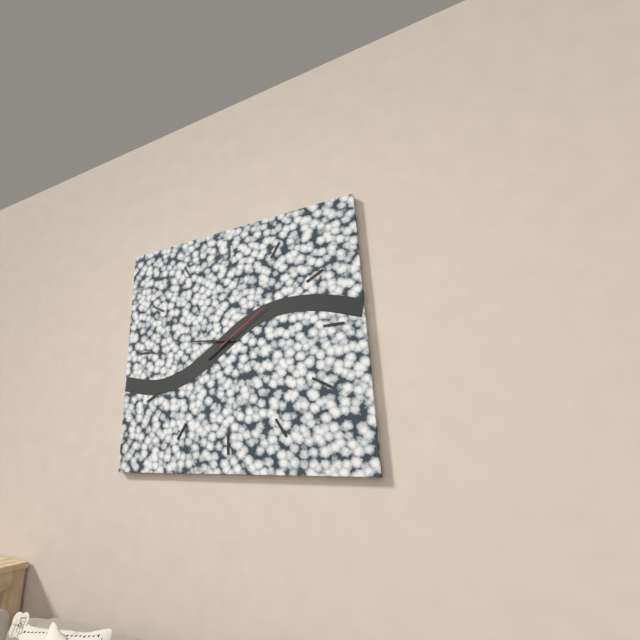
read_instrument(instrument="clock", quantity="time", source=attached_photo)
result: 7:46:09
